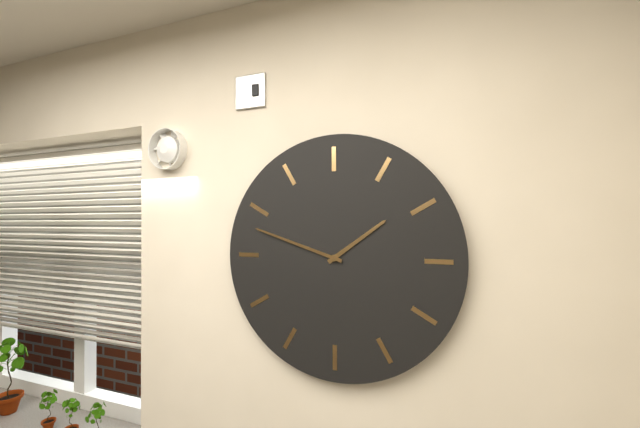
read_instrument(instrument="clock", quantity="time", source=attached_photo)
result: 1:48
